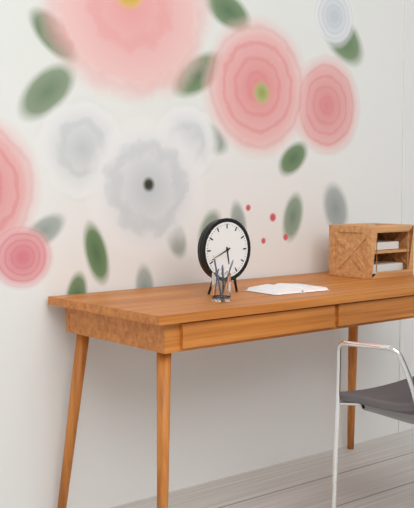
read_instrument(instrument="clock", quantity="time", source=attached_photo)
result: 5:41
